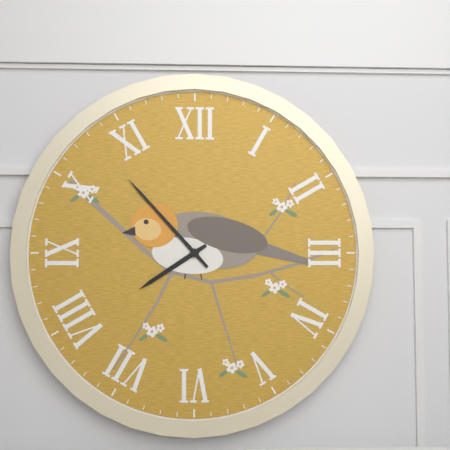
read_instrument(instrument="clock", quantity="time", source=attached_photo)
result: 7:53
